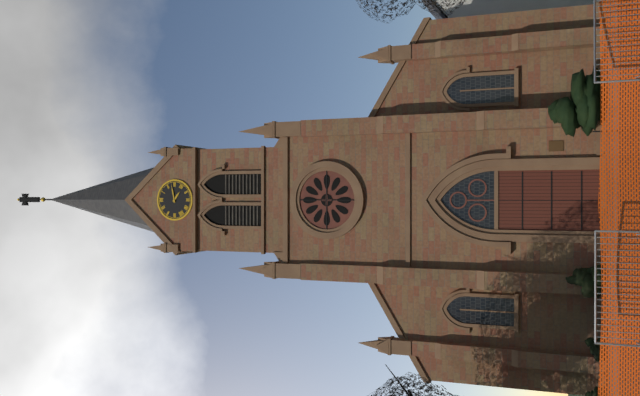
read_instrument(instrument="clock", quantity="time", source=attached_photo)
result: 4:13
